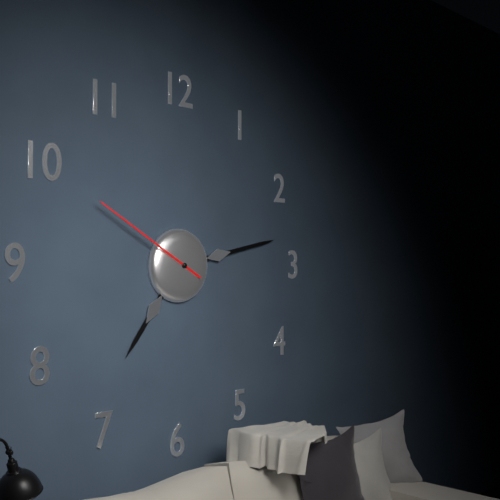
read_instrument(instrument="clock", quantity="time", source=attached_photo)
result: 7:13:50
